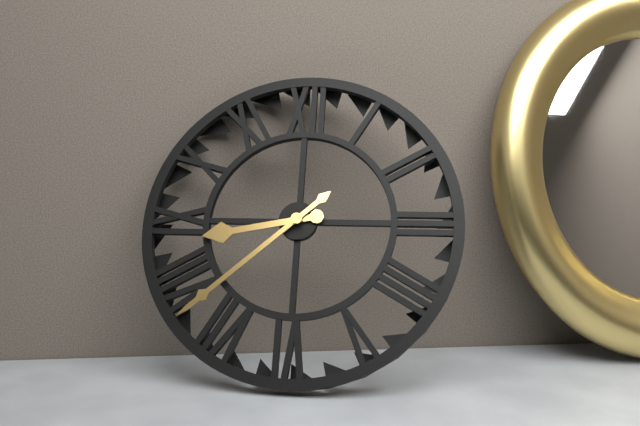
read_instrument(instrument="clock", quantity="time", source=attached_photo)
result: 8:38
